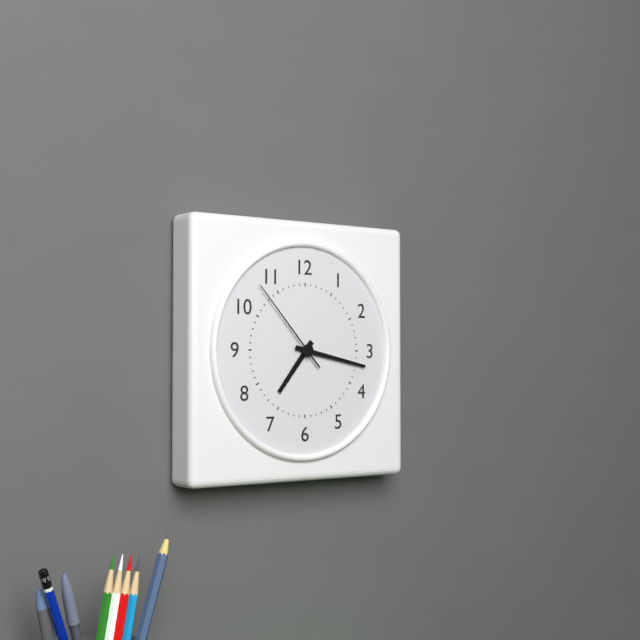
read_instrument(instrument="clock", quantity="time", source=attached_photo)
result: 7:17:53
